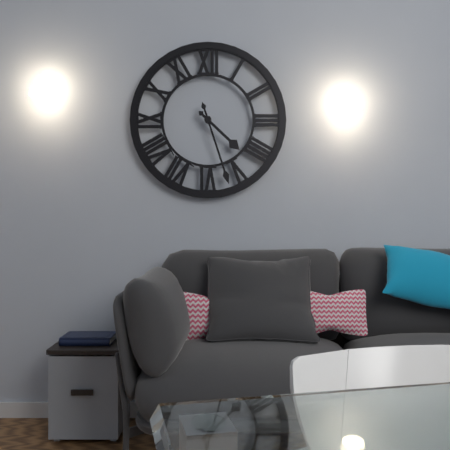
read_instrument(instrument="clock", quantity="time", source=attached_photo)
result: 4:27
